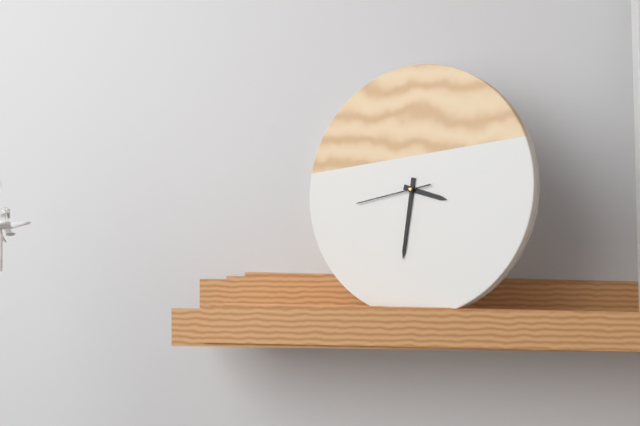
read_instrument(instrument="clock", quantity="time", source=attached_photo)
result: 3:31:43
